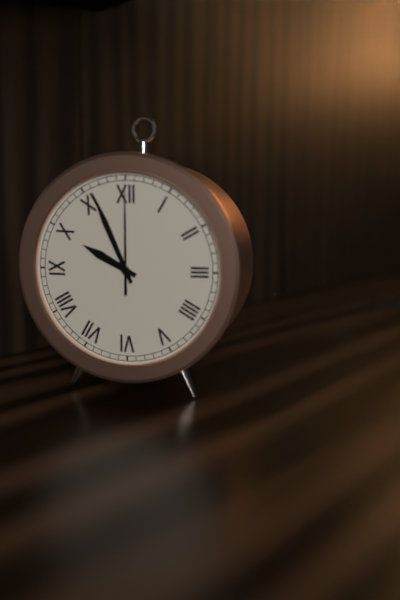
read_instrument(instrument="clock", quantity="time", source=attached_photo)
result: 9:56:00
